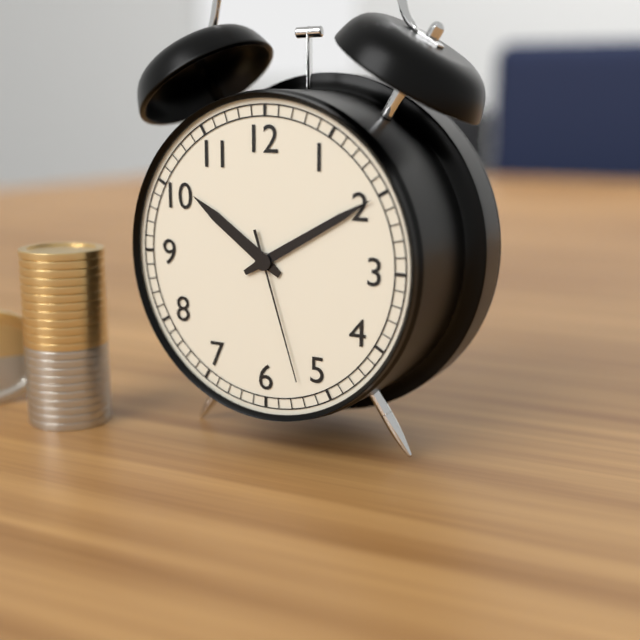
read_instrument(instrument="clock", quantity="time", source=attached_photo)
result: 10:10:27
